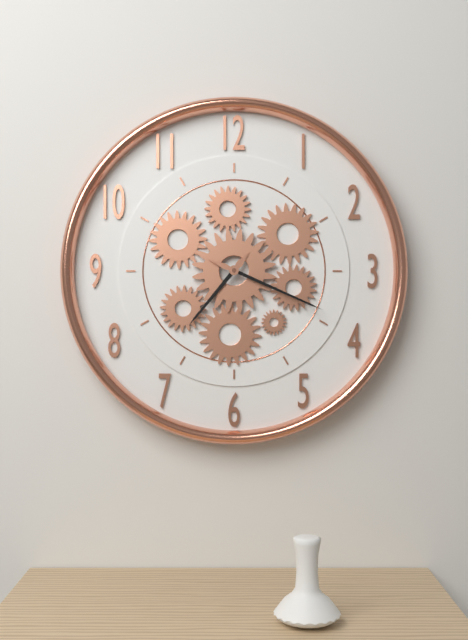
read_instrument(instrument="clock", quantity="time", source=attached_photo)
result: 7:19
